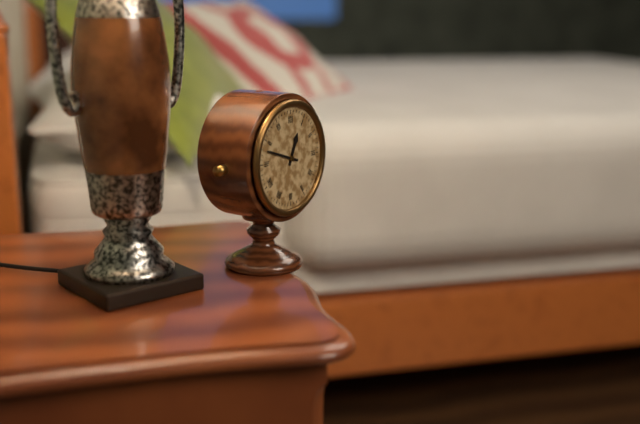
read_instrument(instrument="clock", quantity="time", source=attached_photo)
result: 12:48
